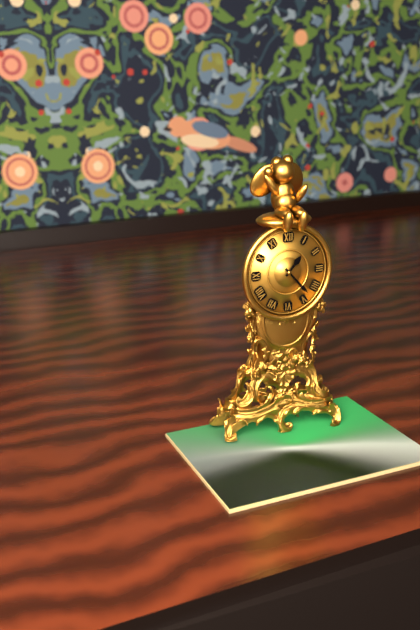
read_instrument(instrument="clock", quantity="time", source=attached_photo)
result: 1:23
